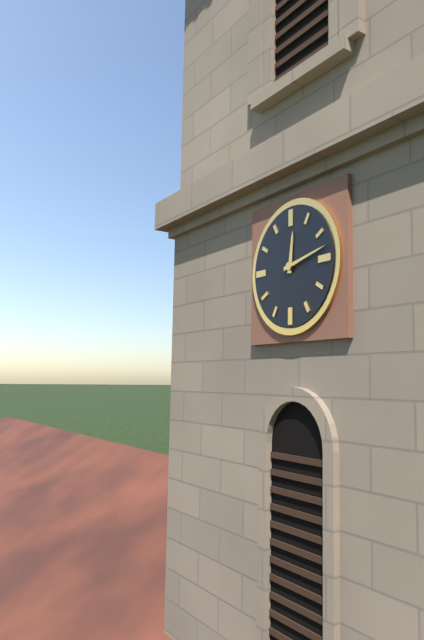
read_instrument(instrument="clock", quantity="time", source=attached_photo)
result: 12:13
